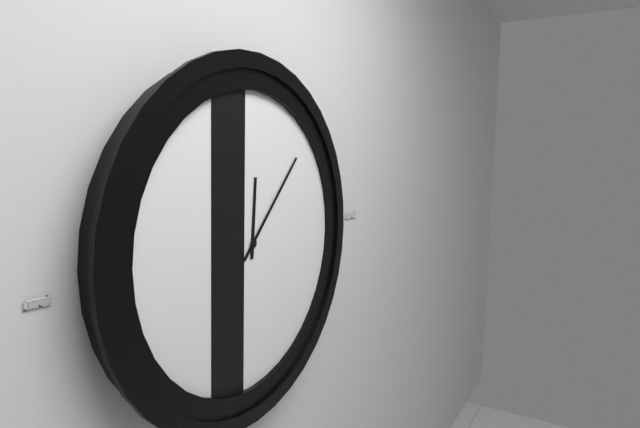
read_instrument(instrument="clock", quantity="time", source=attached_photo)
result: 12:07
